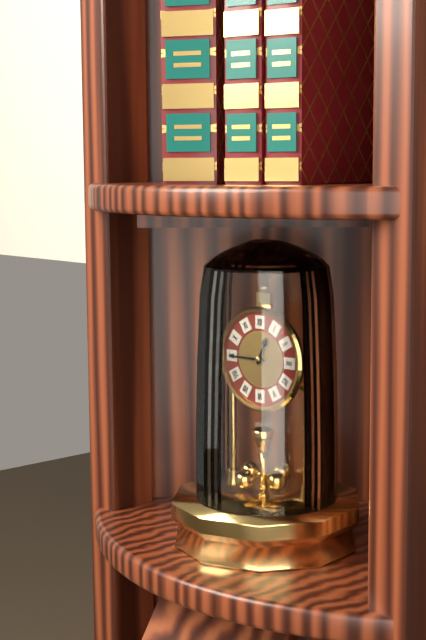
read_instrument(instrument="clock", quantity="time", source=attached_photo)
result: 12:45
